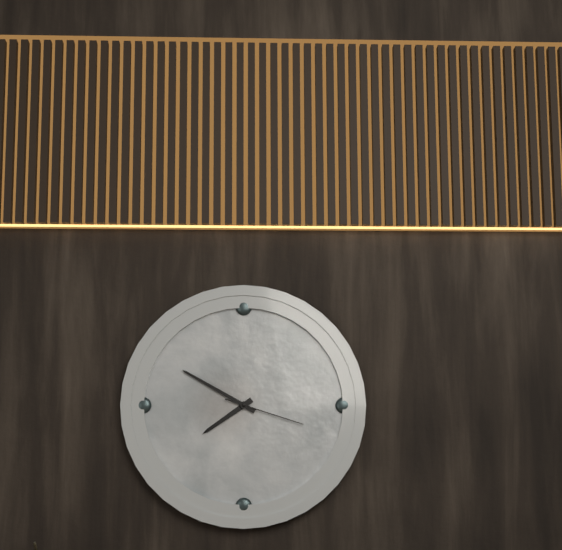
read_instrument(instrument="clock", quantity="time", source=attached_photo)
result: 7:50:18
